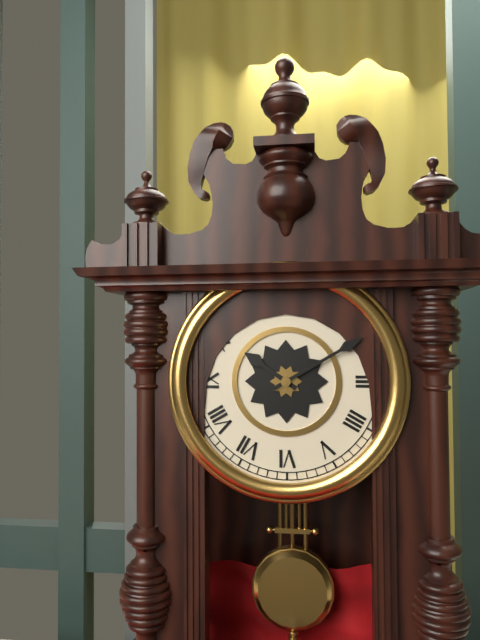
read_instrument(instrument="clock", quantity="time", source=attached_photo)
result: 10:10
